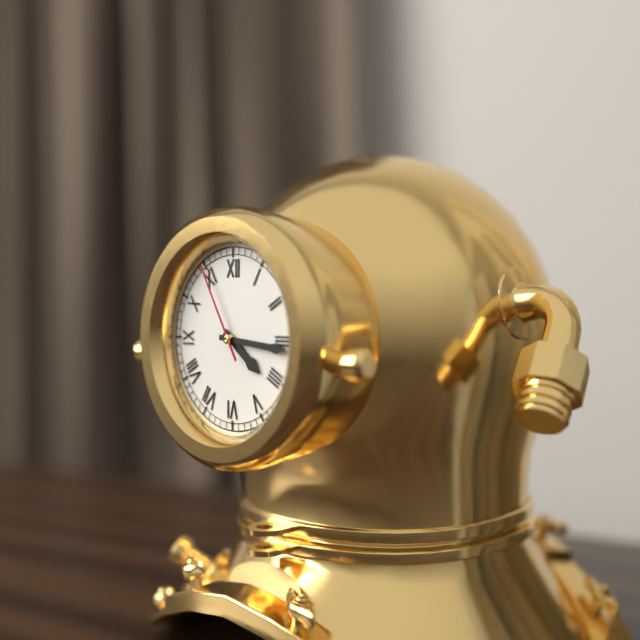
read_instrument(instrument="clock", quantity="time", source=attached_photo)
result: 4:16:55
